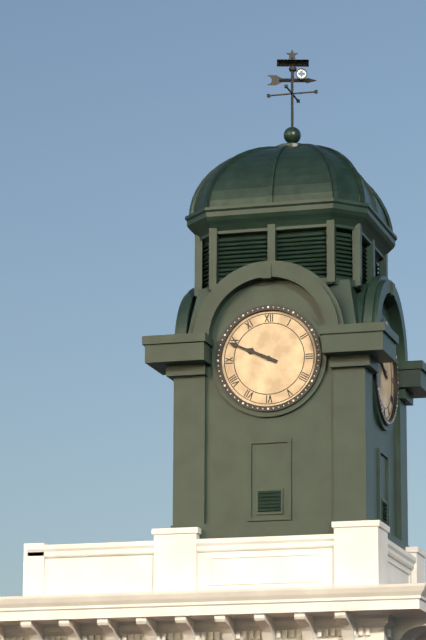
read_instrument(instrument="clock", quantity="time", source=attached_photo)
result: 9:49
